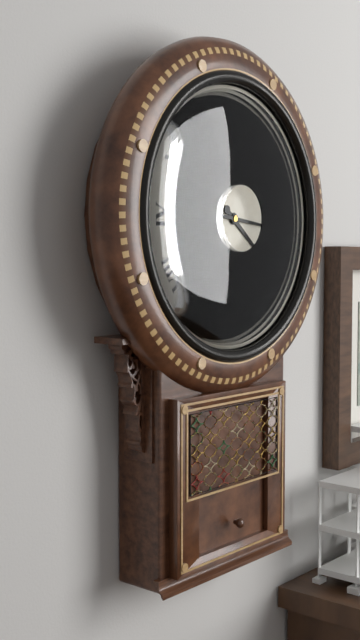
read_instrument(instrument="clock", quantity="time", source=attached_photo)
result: 4:16
